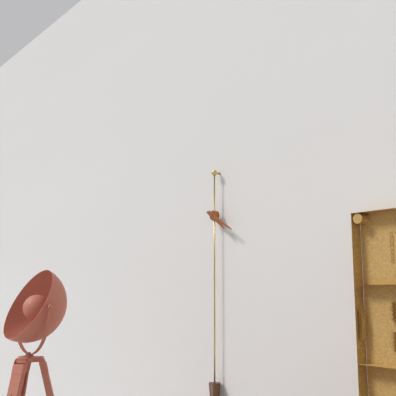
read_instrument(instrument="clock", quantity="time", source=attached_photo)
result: 4:20
